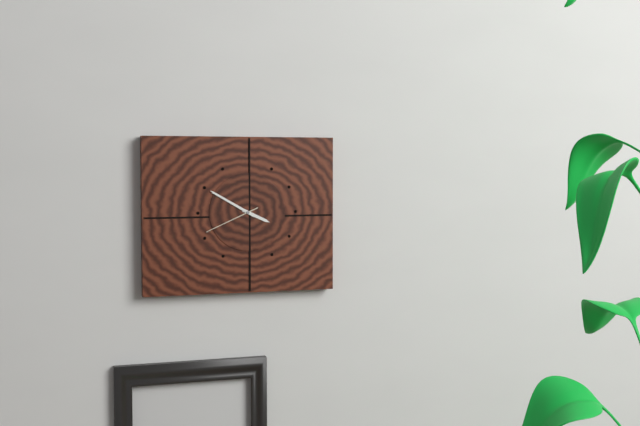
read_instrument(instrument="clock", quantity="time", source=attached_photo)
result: 3:50:41
